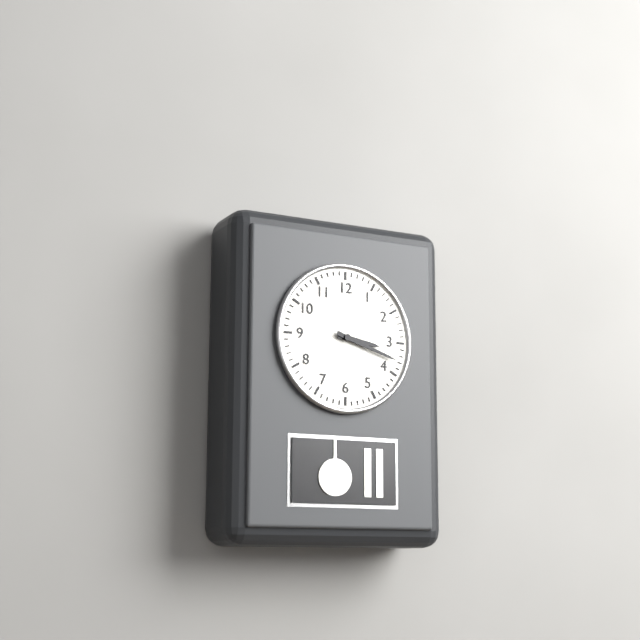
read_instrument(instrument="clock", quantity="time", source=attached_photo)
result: 3:18
